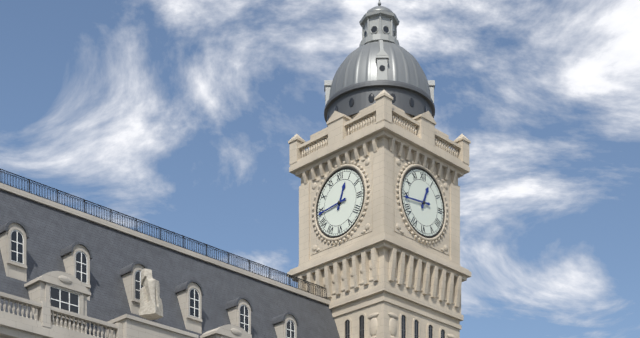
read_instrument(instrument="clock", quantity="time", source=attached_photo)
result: 12:44
